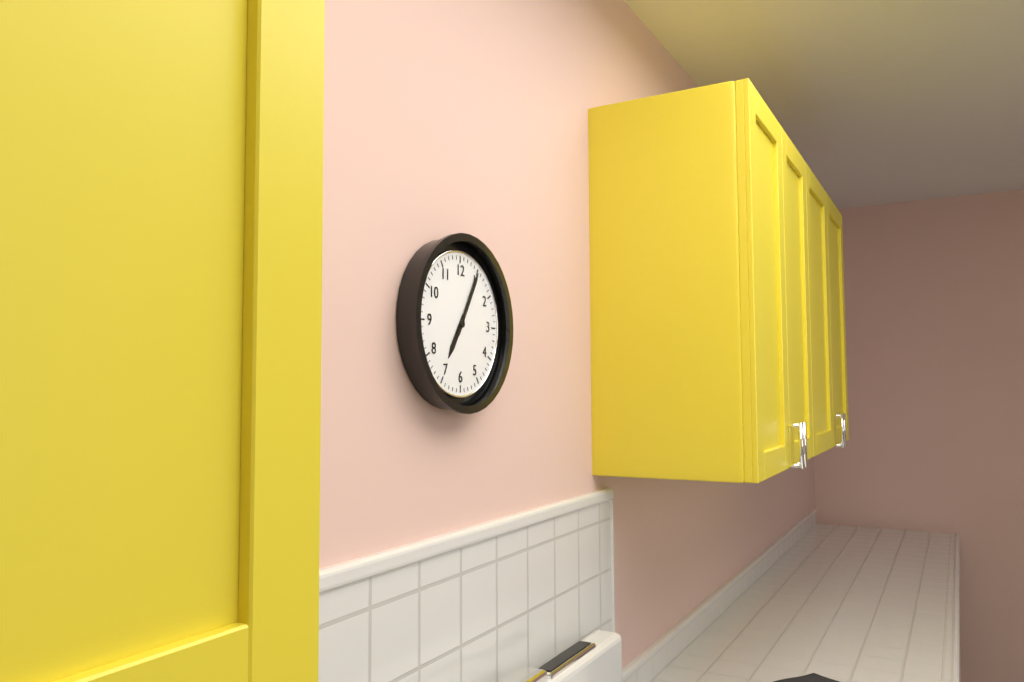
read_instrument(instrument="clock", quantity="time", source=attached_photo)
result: 7:05
